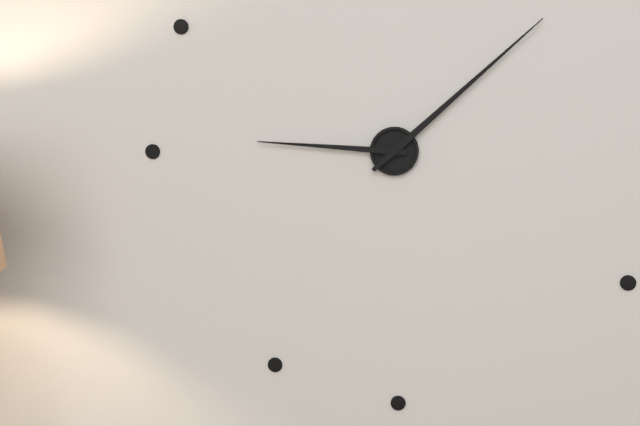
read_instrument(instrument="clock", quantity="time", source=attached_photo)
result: 9:08
